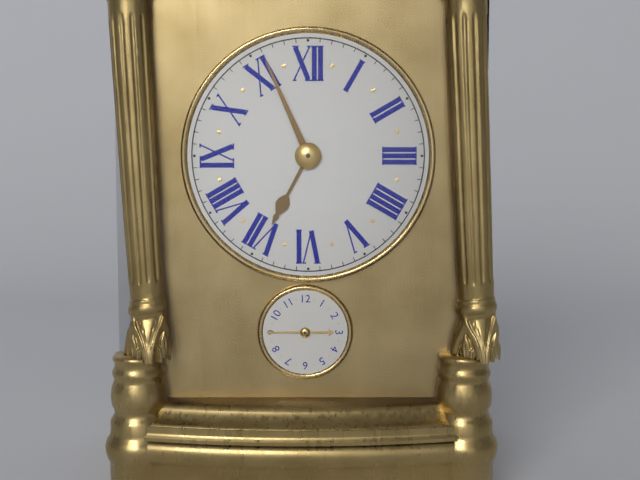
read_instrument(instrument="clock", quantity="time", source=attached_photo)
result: 6:56
